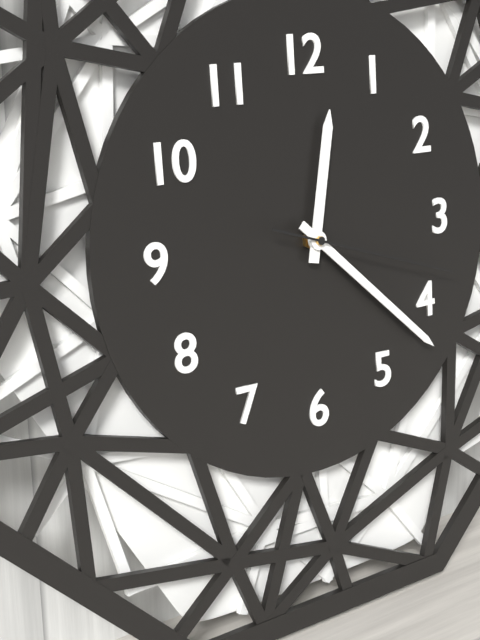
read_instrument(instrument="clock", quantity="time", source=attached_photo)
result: 12:22:18
